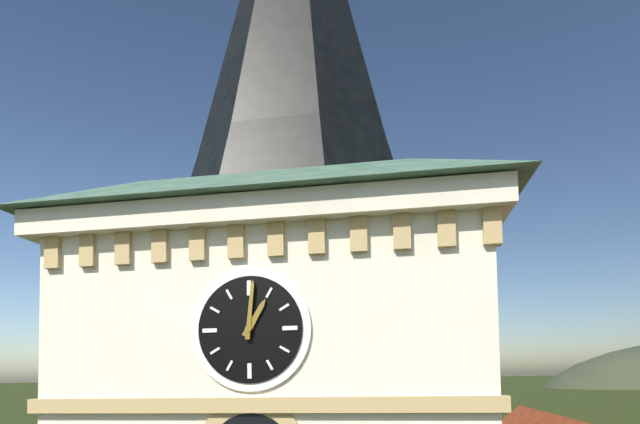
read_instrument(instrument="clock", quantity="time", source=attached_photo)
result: 1:01
